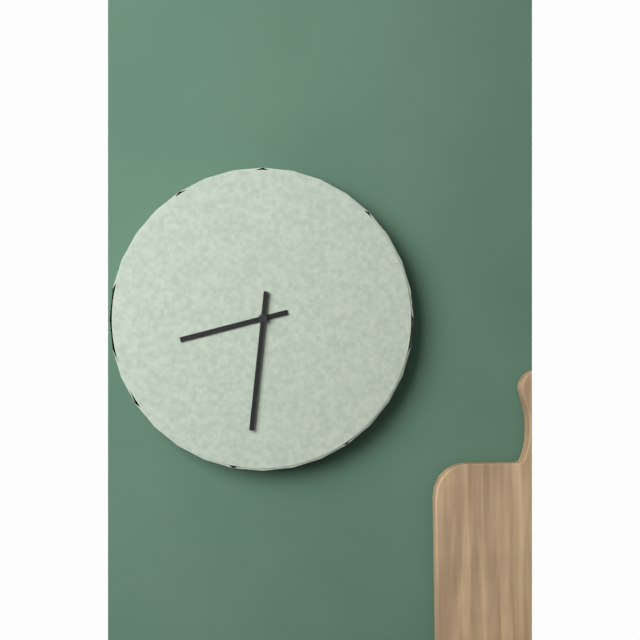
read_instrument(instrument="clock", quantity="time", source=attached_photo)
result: 8:31
